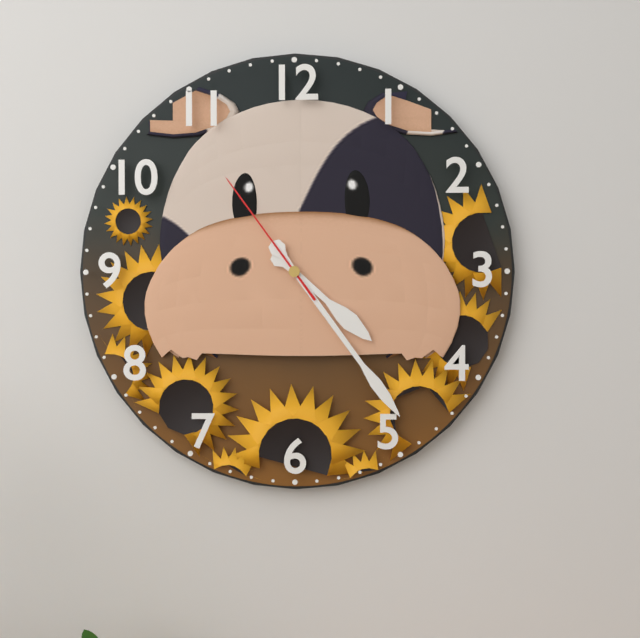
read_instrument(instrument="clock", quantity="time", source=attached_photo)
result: 4:24:54
